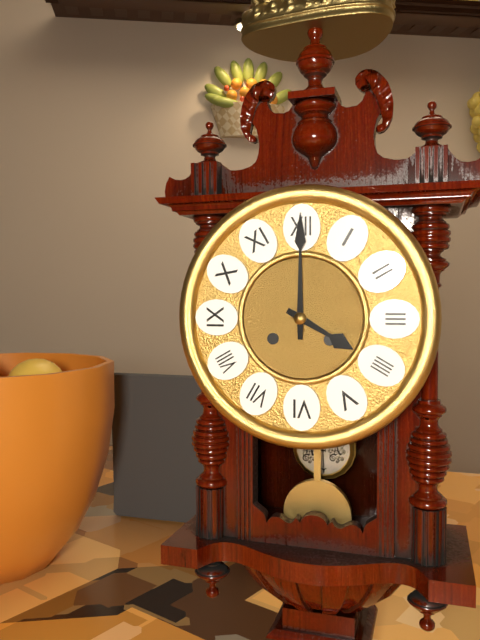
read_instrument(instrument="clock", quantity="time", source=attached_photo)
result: 4:00
